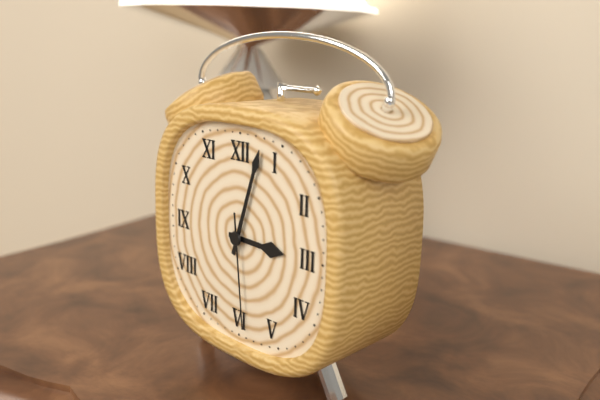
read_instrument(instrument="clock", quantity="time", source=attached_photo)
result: 3:03:29
